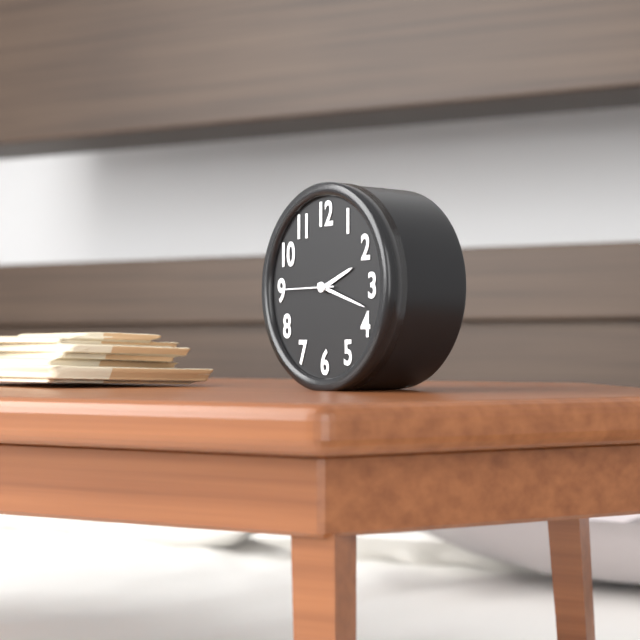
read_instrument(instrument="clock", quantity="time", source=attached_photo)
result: 2:18:45
